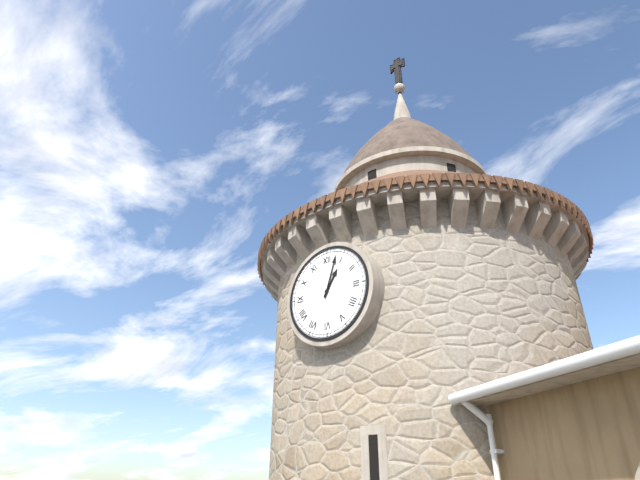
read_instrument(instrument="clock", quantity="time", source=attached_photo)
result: 1:03
